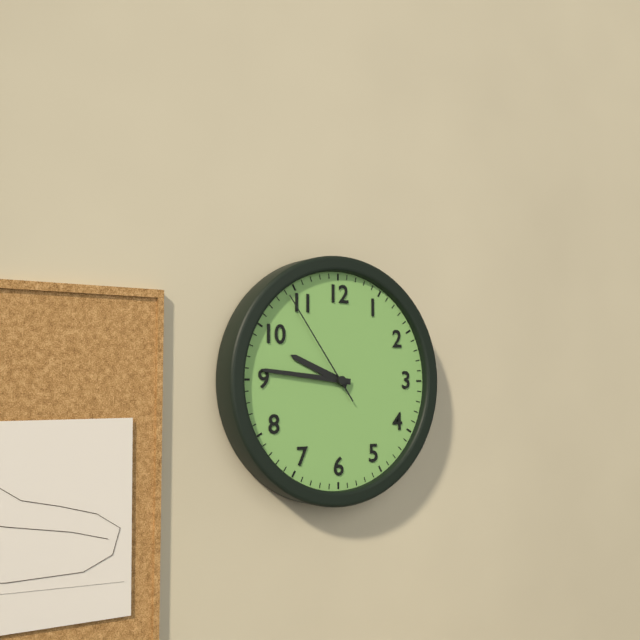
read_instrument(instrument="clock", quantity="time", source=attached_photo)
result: 9:46:54
